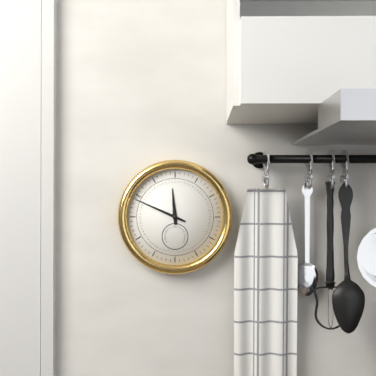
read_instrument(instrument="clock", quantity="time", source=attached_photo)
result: 11:49
